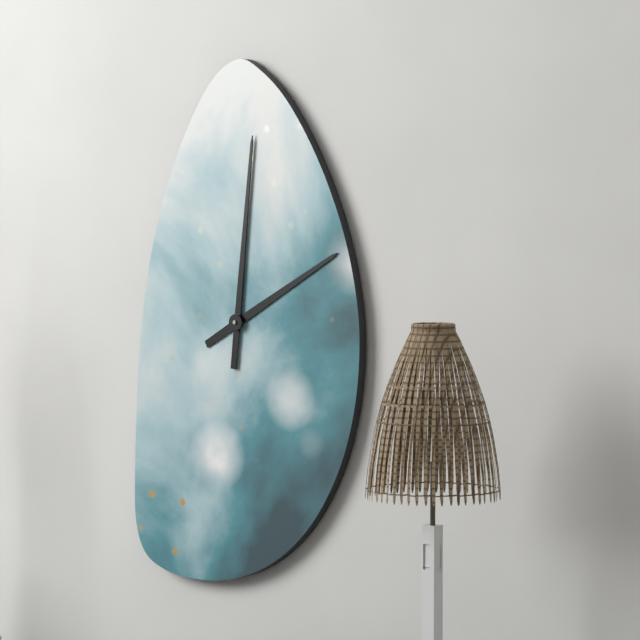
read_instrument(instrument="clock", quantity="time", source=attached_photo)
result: 2:01
